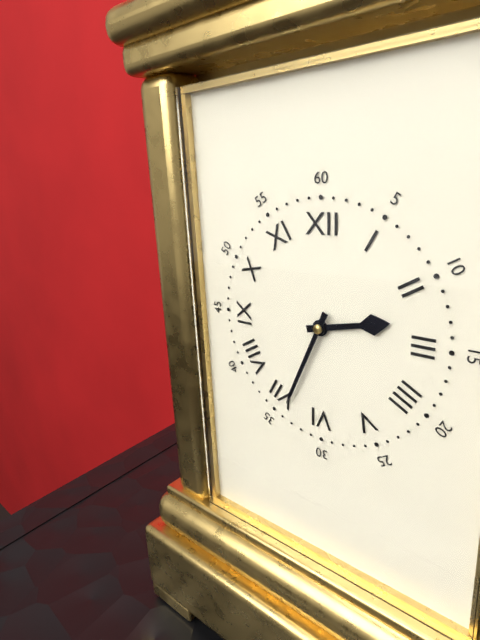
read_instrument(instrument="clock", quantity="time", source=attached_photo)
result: 2:34
